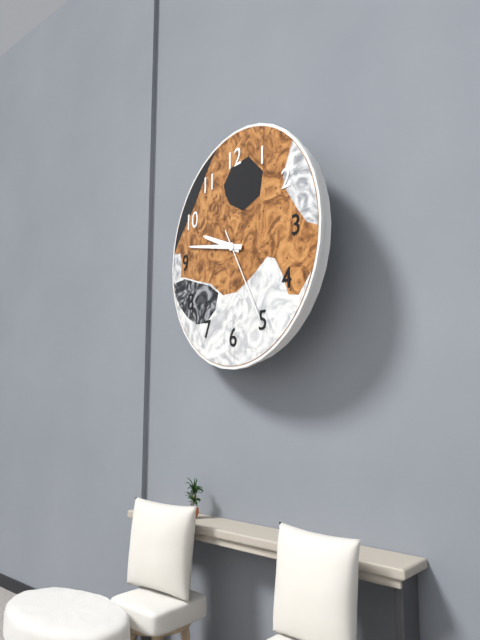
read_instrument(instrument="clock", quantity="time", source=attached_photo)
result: 9:47:25
